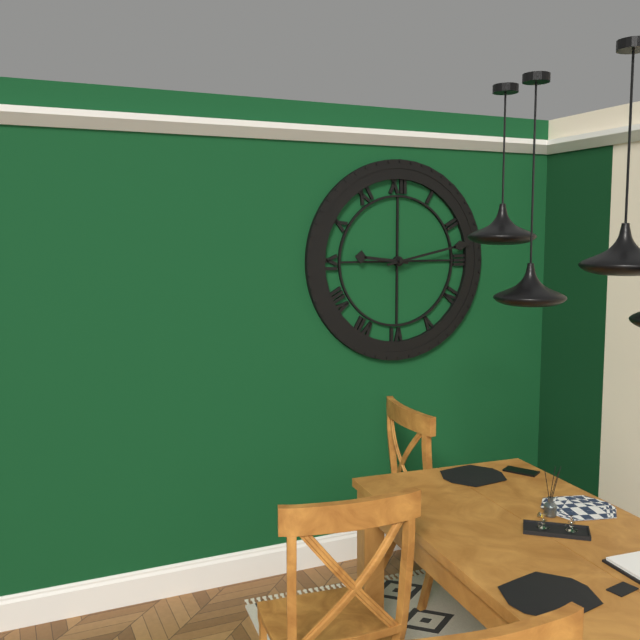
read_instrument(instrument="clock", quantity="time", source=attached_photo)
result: 9:13
